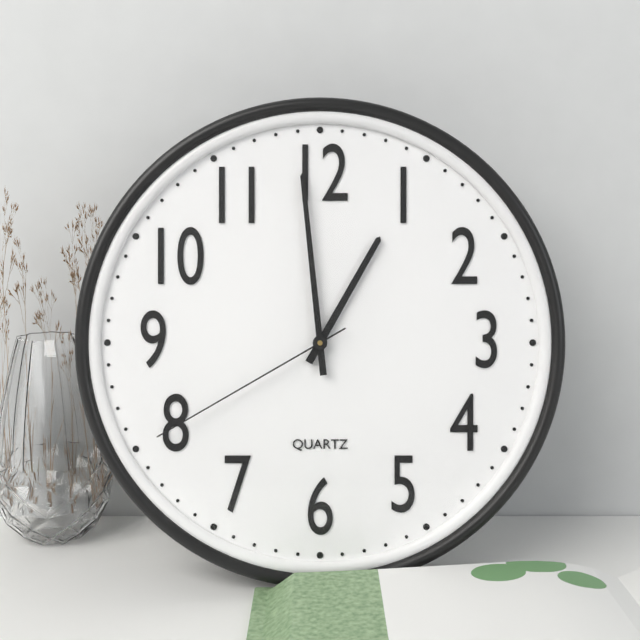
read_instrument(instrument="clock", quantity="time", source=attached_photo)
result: 12:59:40
